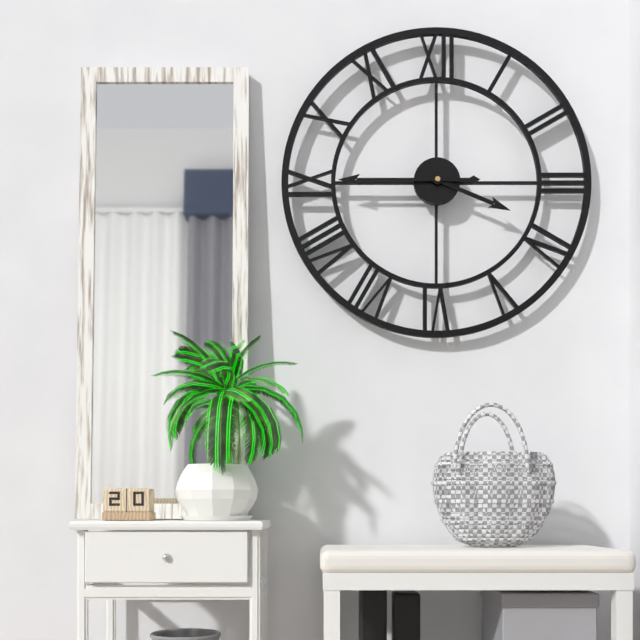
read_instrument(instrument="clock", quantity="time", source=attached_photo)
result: 3:45
